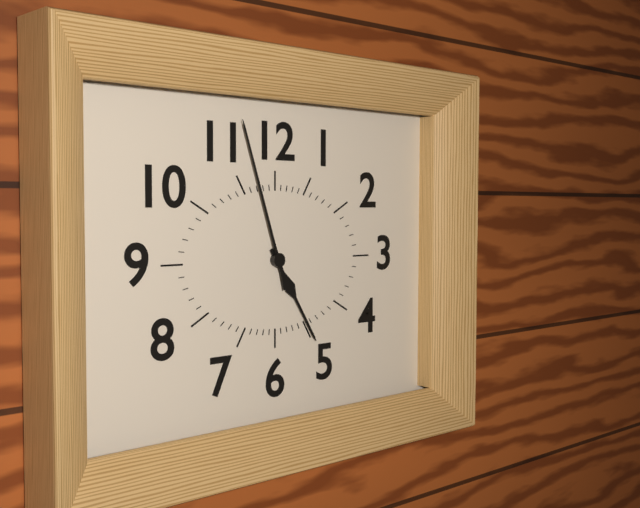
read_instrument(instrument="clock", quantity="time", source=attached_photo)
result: 4:57
